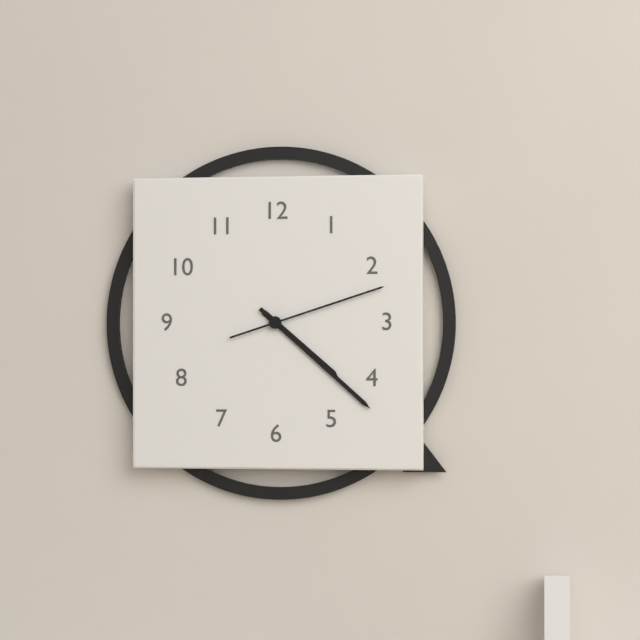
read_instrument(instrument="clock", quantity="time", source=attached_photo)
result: 4:22:12
